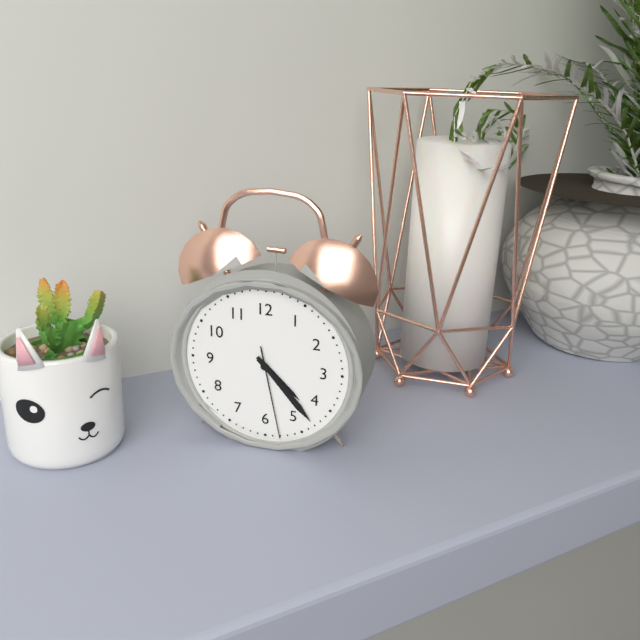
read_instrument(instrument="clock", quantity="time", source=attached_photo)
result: 4:23:28
